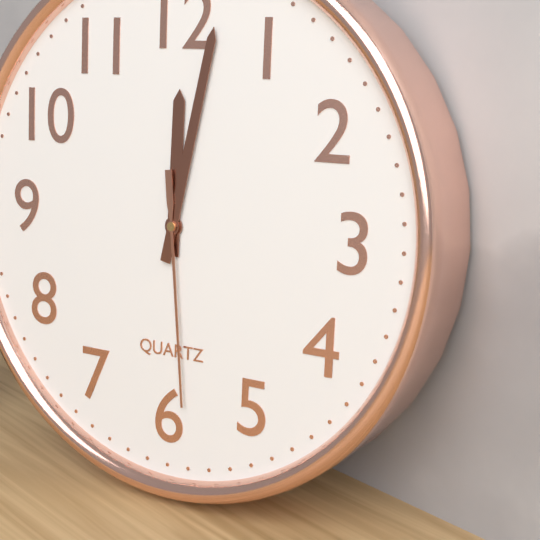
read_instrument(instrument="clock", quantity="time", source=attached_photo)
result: 12:02:29
